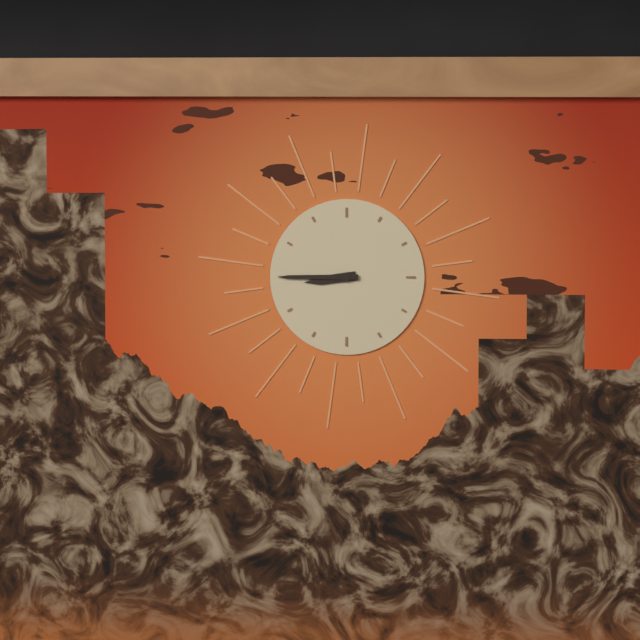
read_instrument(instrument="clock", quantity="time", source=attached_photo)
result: 8:45
